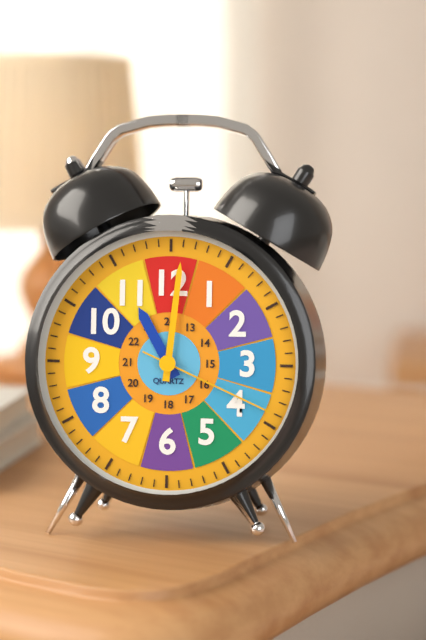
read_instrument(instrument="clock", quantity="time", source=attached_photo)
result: 11:01:19
